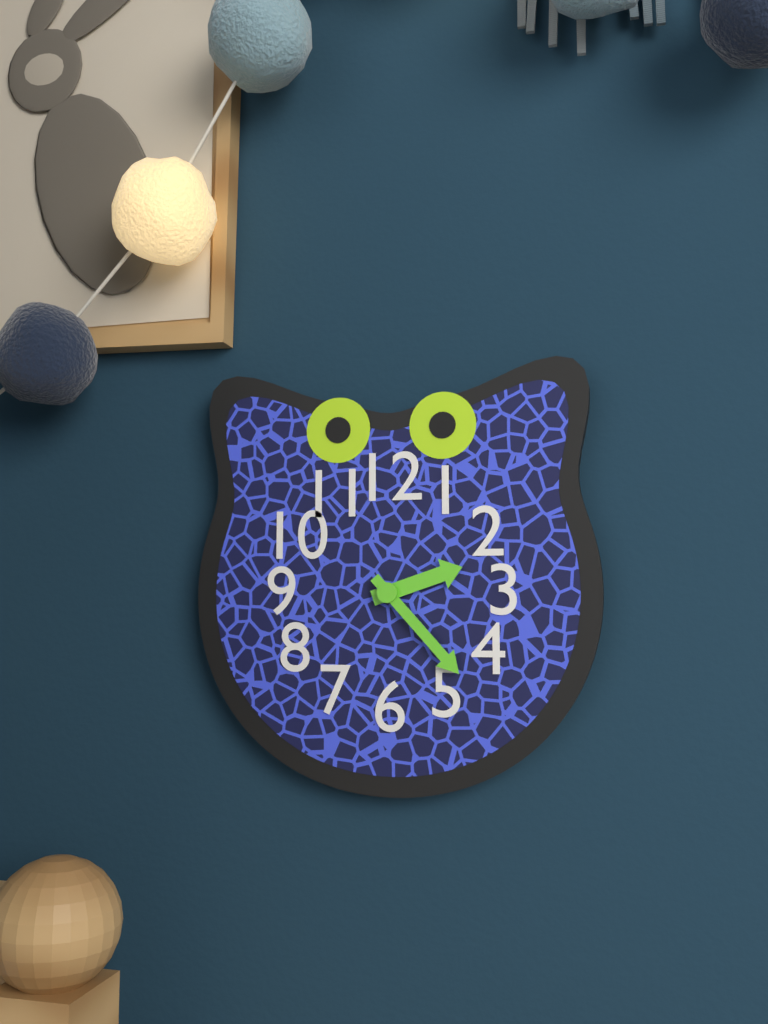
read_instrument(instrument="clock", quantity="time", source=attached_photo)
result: 2:23
